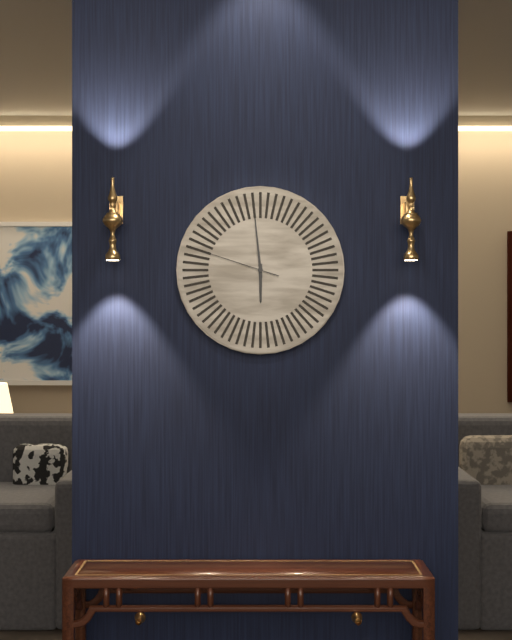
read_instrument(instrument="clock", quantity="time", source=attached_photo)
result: 5:59:48
